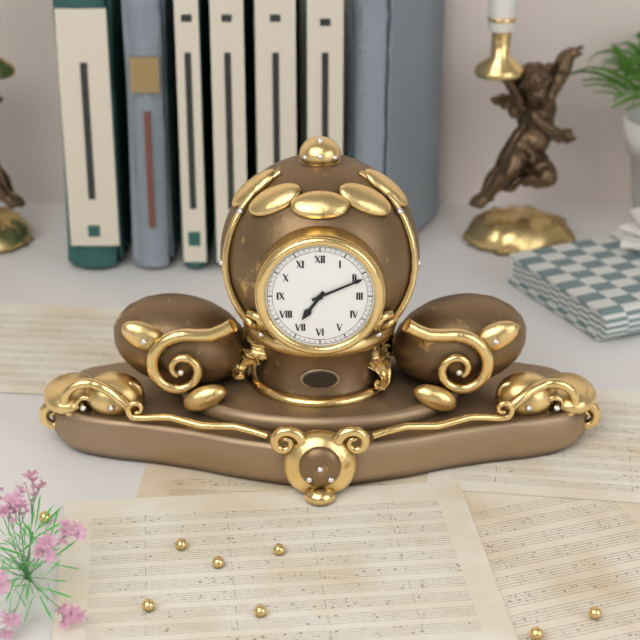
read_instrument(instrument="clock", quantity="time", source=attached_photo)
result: 7:11
